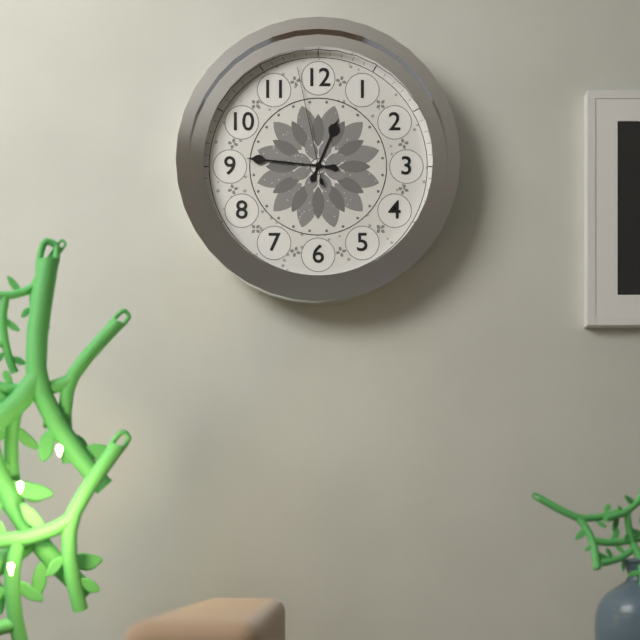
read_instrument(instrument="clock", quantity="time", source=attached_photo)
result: 12:46:58
